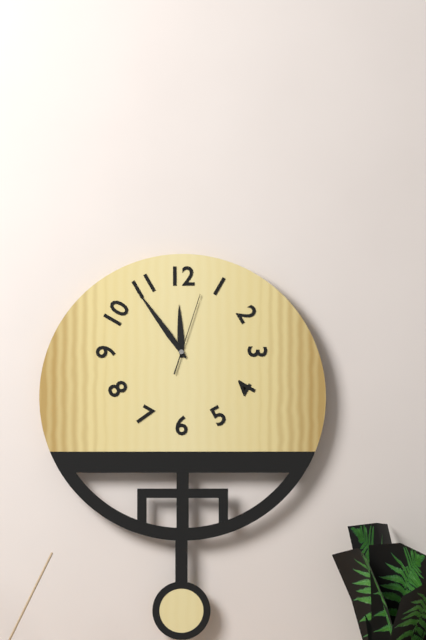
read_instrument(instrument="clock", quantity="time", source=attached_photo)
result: 11:54:03
